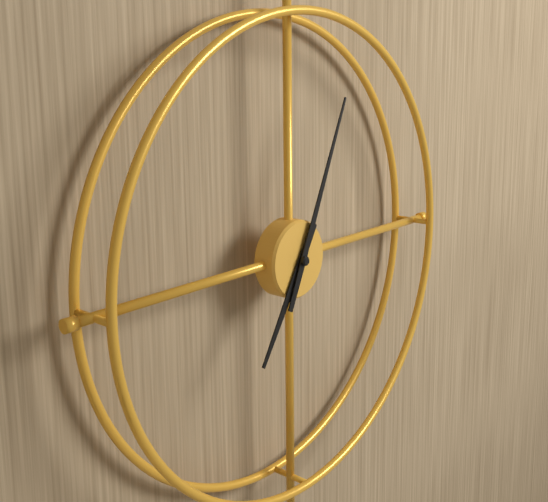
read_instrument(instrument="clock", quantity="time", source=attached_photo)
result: 7:04
